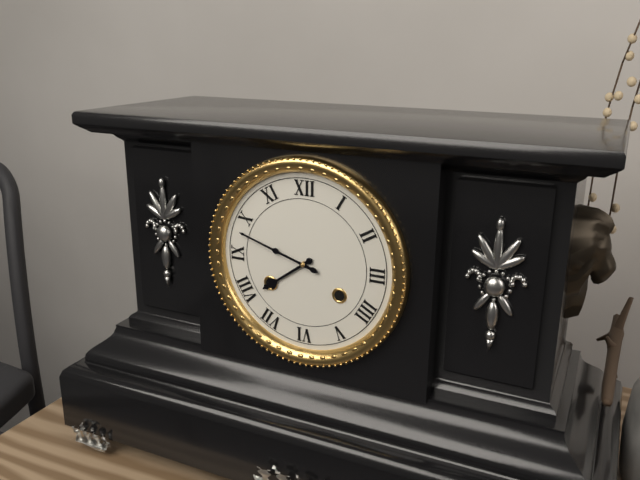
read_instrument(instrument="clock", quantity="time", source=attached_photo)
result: 7:48
